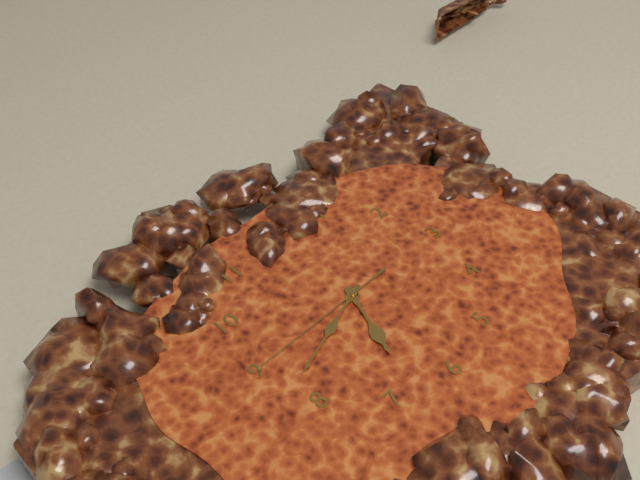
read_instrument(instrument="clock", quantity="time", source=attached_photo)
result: 6:42:45
